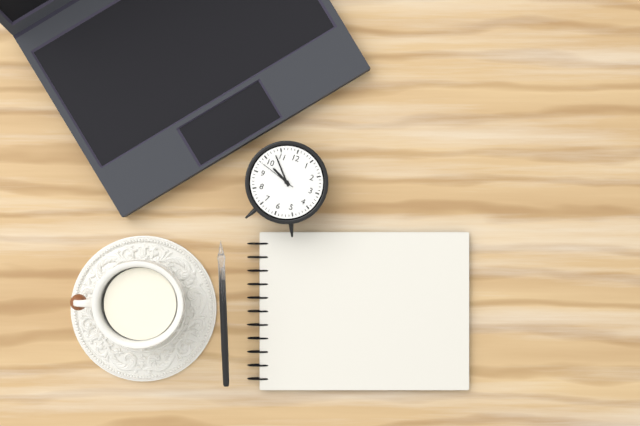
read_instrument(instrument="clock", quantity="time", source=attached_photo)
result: 9:53
